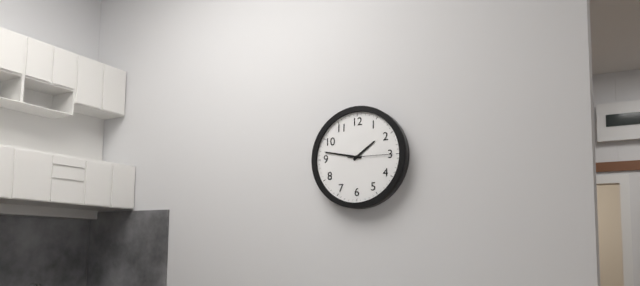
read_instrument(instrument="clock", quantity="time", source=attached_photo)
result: 1:47
